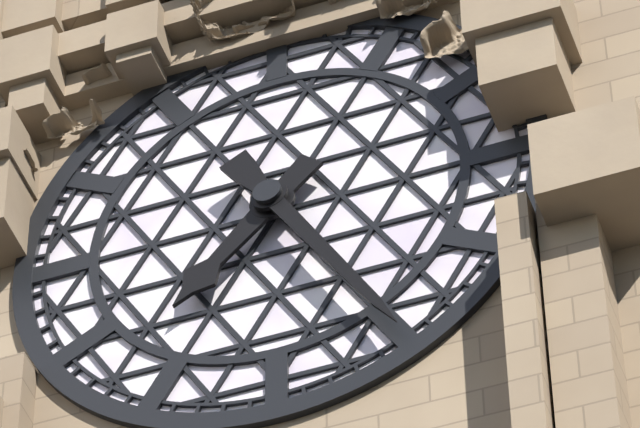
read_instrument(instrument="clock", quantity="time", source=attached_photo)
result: 7:25
